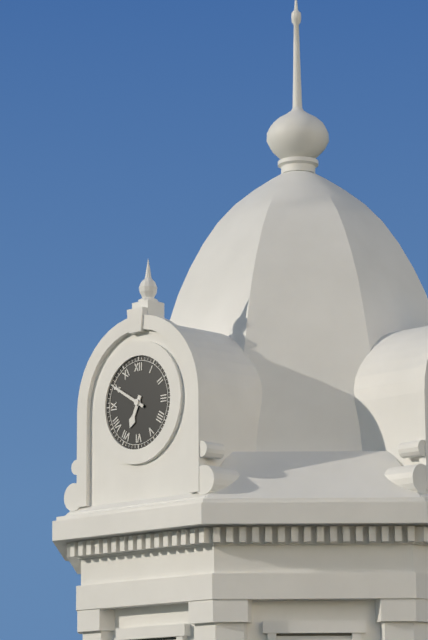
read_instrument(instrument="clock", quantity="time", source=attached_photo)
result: 6:50
